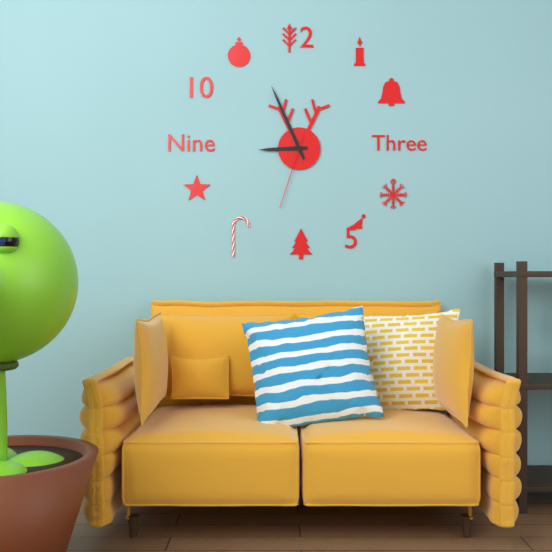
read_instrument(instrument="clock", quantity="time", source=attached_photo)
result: 8:56:33
